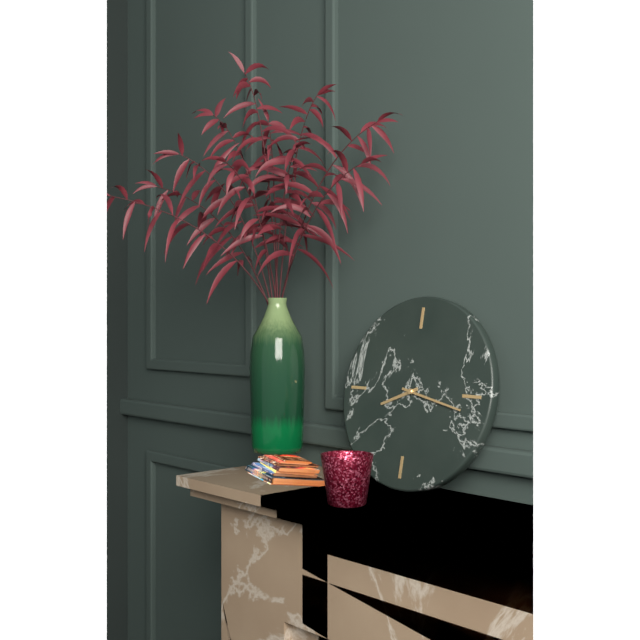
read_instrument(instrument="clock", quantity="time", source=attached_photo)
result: 8:17
